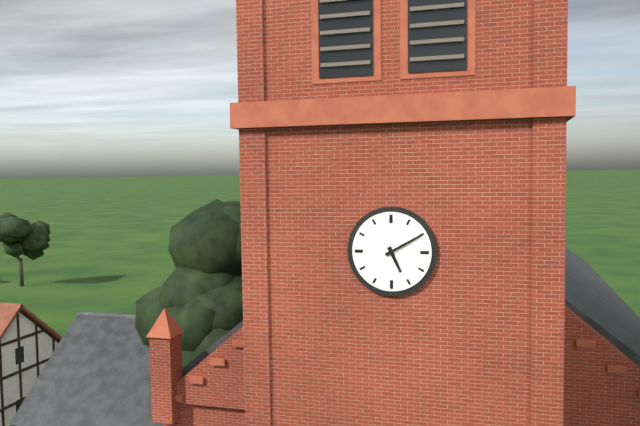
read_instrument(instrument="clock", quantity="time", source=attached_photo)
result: 5:10
